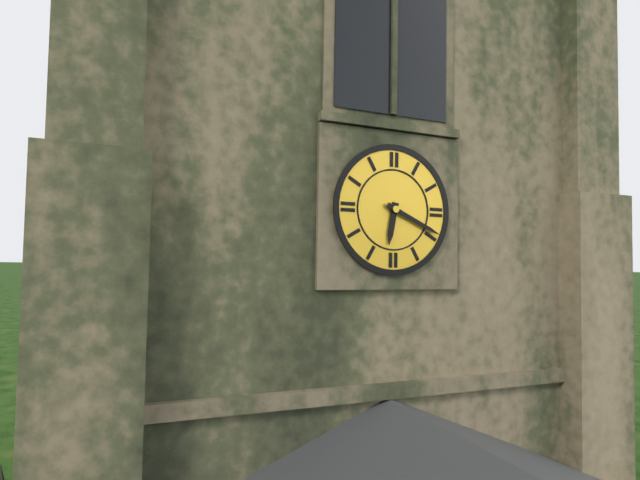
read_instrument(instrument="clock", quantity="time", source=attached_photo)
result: 6:19
